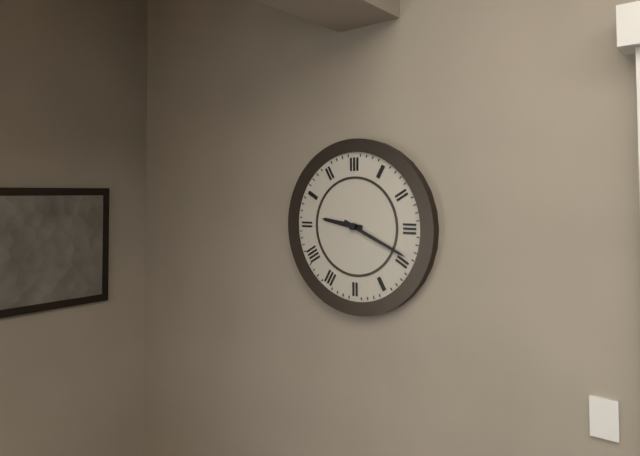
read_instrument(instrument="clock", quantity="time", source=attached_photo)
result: 9:19
